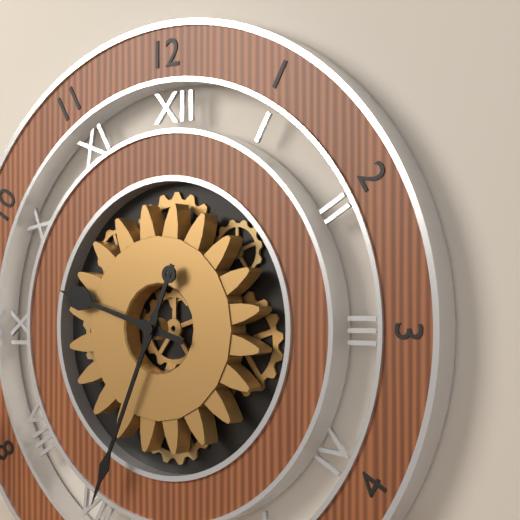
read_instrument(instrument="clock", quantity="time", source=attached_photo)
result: 9:34
